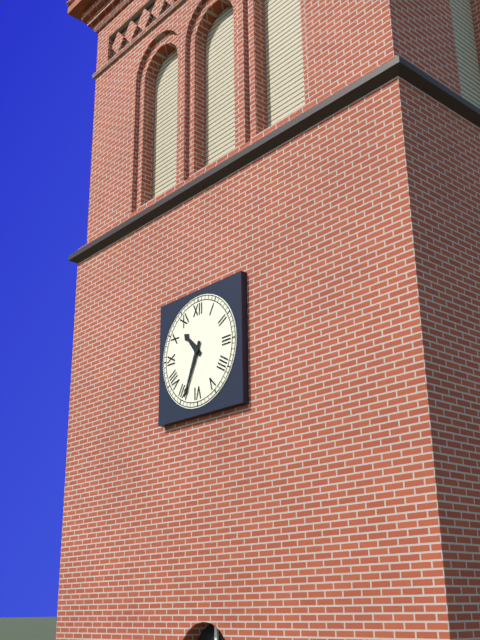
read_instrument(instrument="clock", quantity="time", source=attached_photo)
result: 10:34
